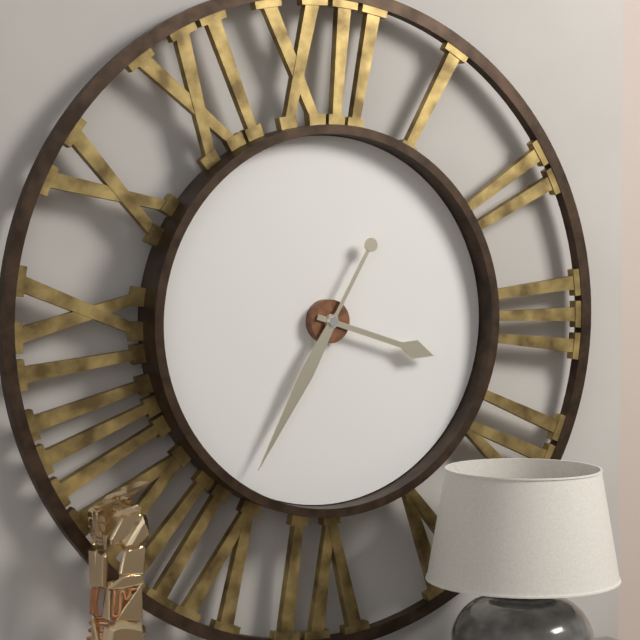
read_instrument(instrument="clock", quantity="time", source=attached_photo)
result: 3:35
